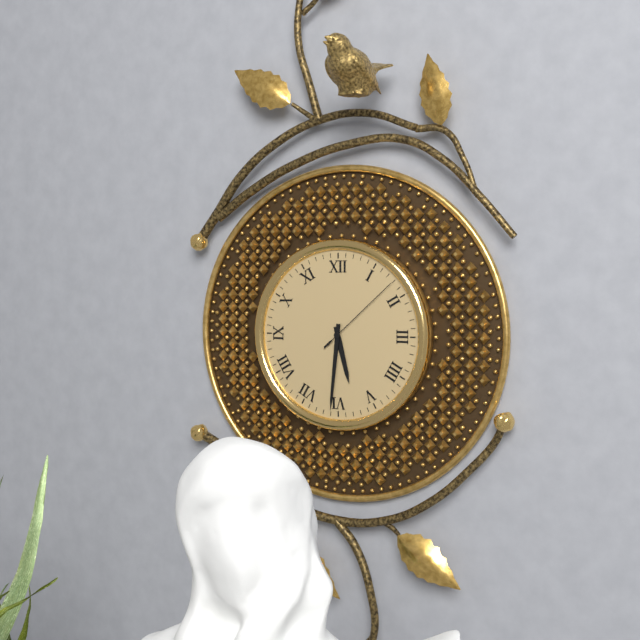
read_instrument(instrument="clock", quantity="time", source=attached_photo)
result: 5:31:08
